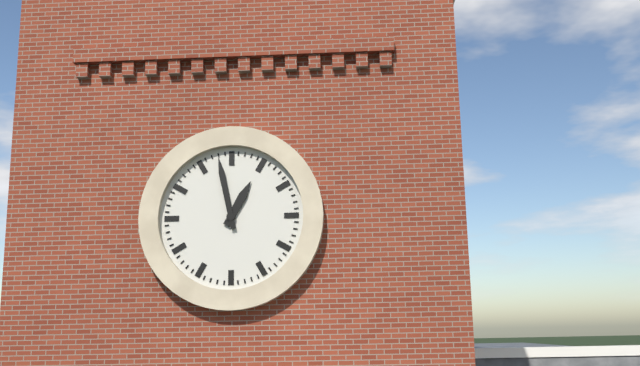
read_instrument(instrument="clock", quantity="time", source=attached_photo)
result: 12:58
